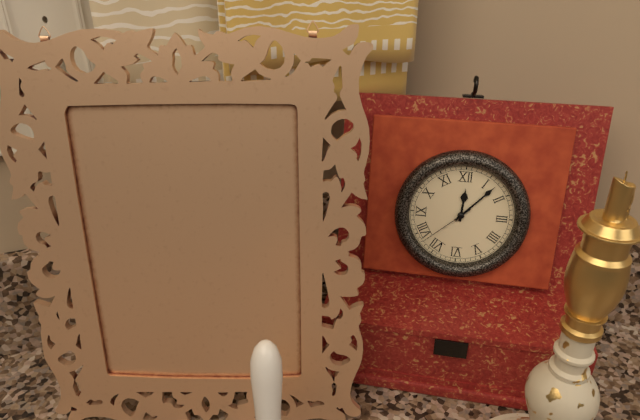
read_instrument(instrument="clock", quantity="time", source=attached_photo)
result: 12:07:38
